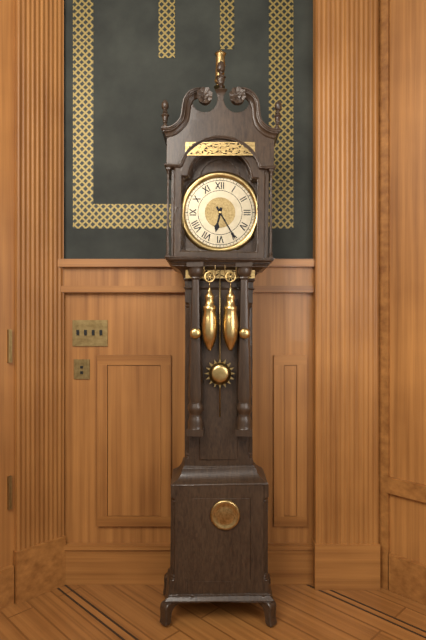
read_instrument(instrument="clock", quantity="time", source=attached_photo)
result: 6:25
